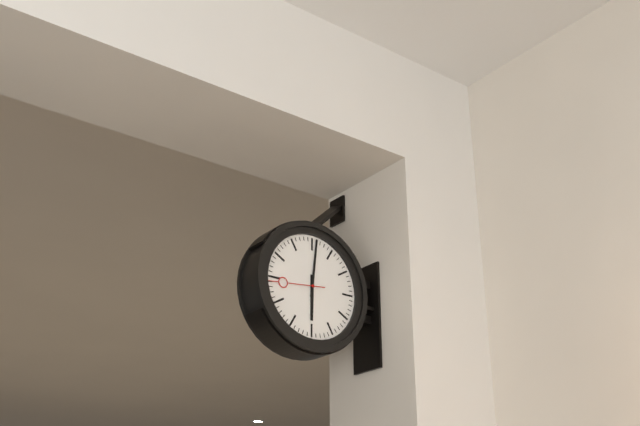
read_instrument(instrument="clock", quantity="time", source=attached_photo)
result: 6:01:44
